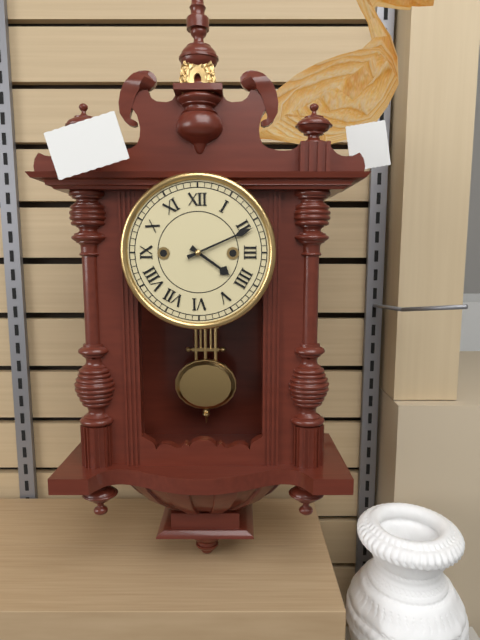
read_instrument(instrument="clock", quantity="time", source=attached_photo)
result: 4:11
